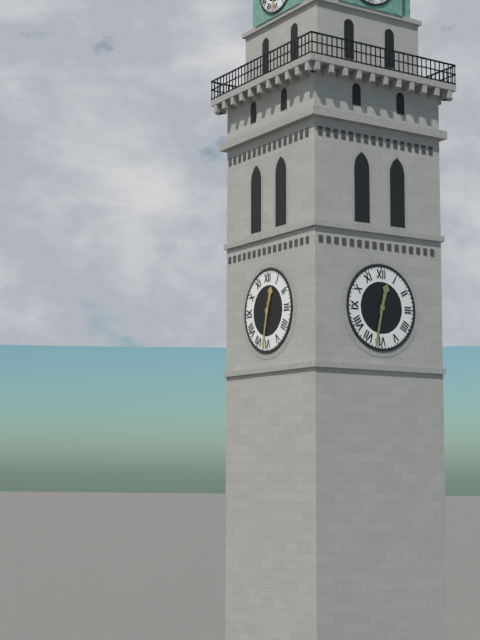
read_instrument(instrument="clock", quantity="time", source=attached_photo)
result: 12:32
